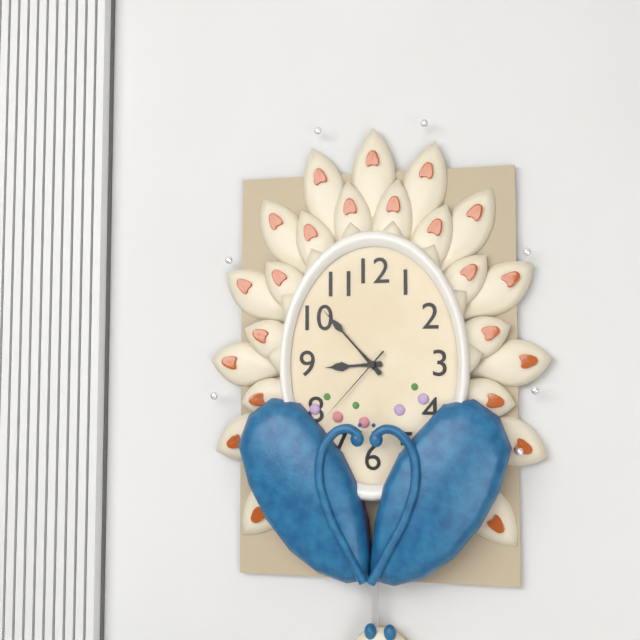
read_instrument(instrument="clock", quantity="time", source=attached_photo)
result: 8:53:37
